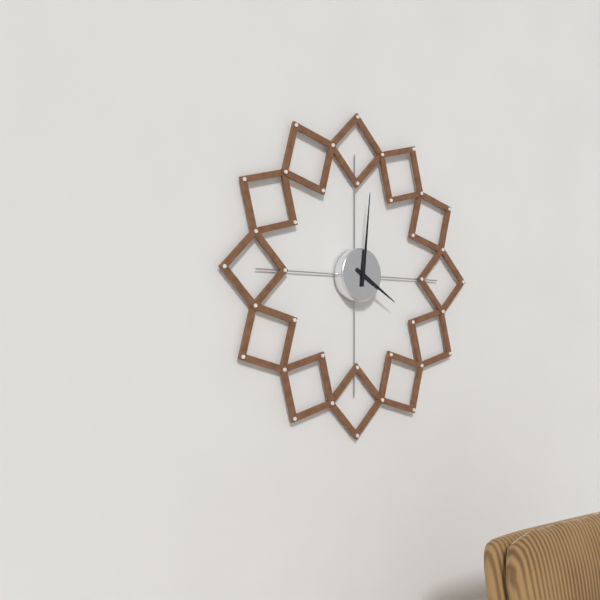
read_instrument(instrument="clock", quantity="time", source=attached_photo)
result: 4:01
